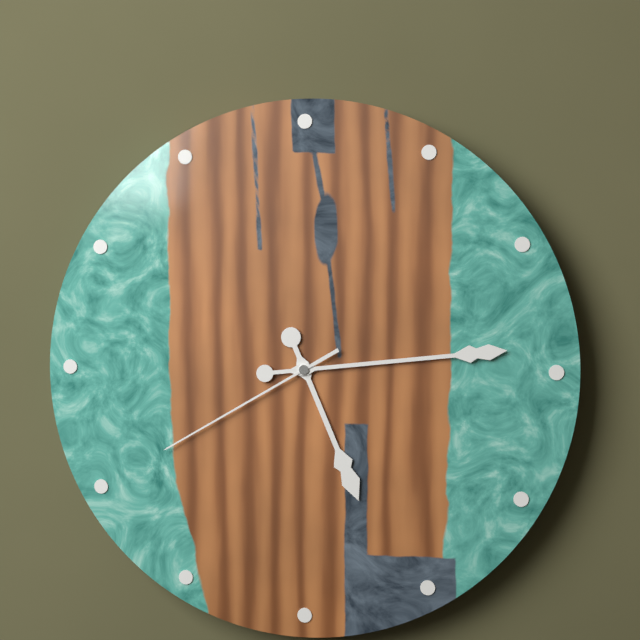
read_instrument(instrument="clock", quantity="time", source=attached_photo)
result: 5:14:40
